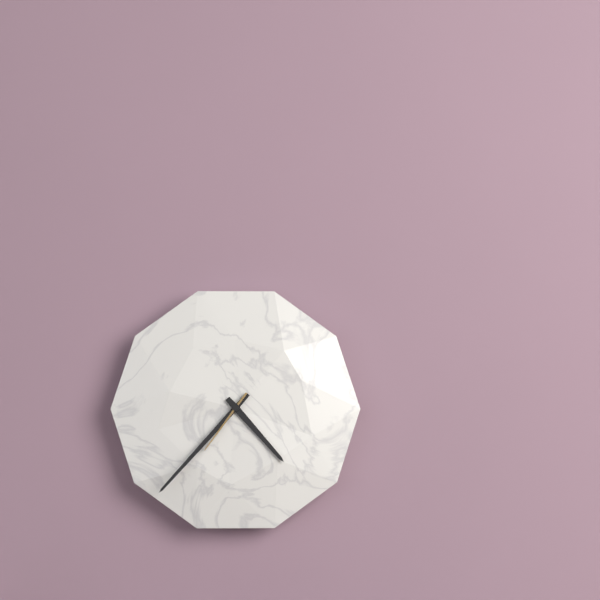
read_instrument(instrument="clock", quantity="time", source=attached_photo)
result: 4:37:36
